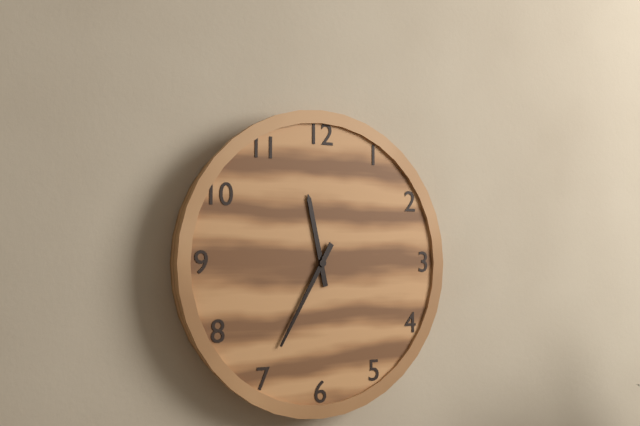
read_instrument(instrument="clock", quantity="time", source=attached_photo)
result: 11:35
